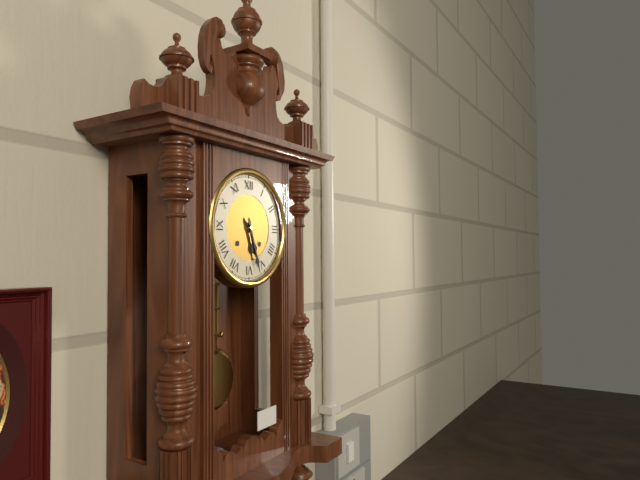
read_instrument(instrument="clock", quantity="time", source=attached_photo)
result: 5:27
